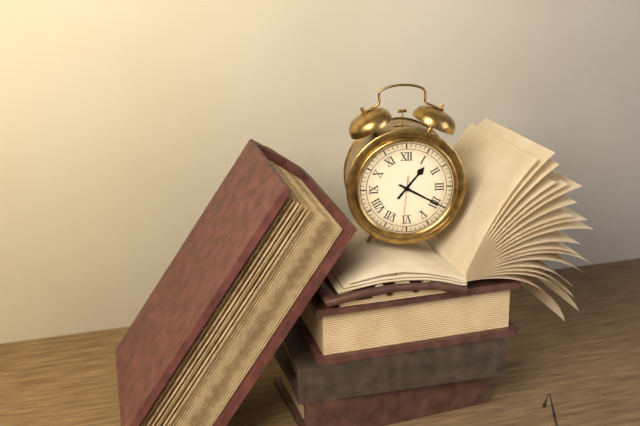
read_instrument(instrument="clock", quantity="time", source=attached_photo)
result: 1:20:31
